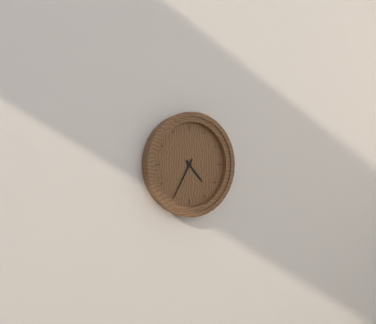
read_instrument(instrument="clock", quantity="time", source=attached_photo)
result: 4:35
